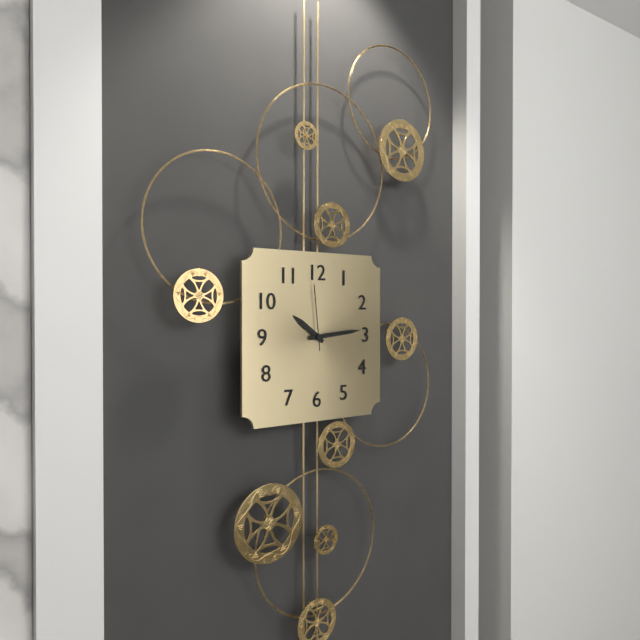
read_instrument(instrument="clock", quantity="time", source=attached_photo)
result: 10:14:59
